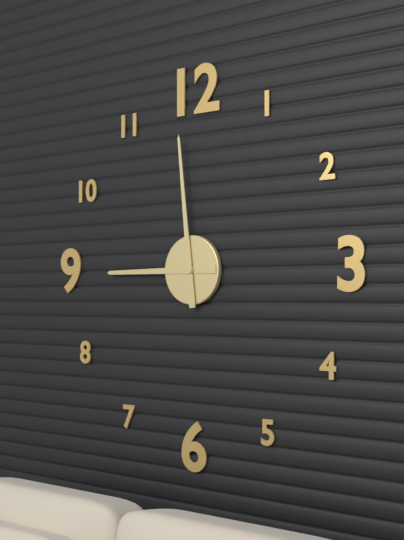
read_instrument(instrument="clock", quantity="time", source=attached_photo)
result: 8:59
